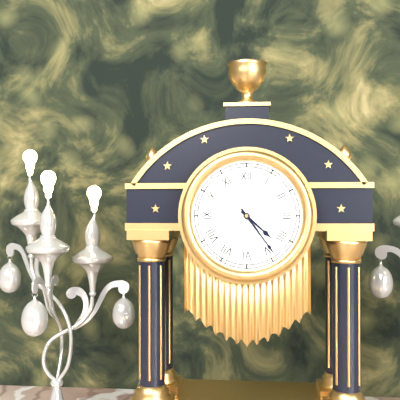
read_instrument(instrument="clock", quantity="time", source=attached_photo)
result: 4:24
